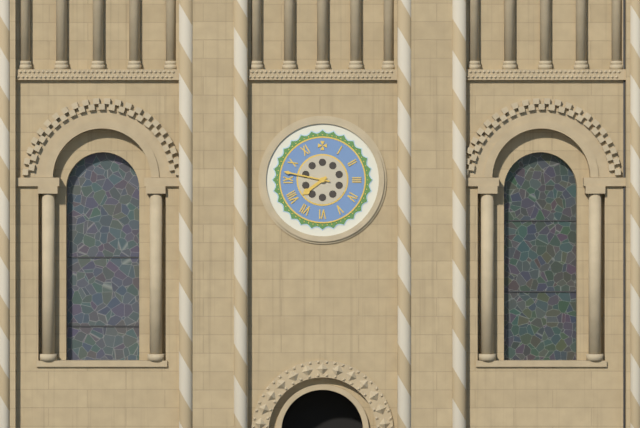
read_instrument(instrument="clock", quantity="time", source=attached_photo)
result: 7:47
